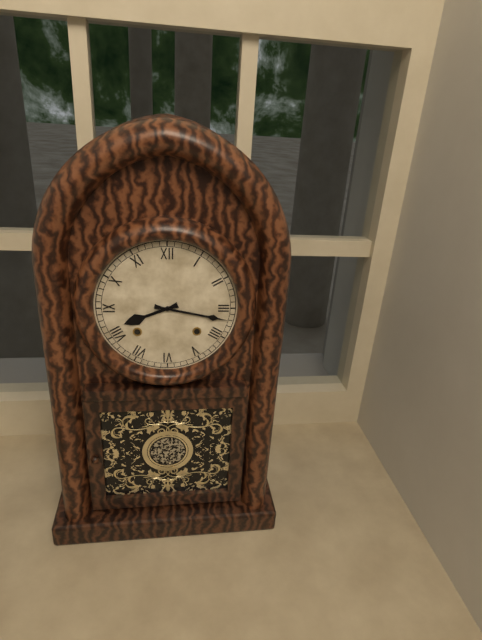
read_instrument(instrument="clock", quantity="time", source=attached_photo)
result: 8:17
